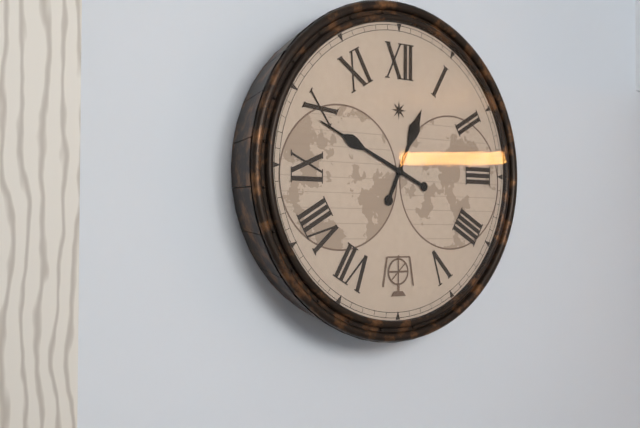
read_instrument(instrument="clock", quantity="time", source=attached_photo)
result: 12:49
